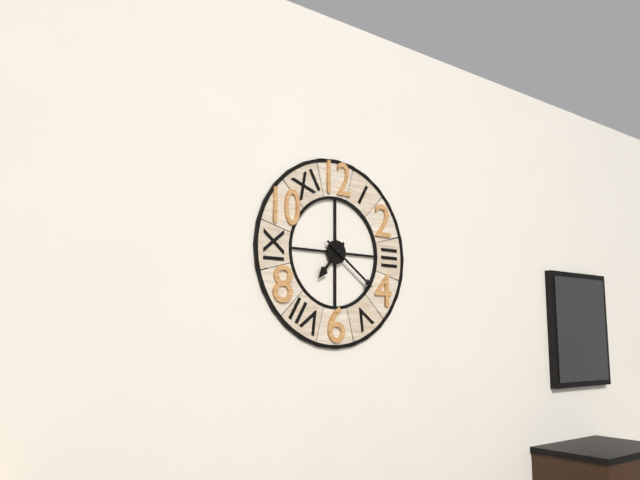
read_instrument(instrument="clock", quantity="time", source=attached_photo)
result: 7:21
